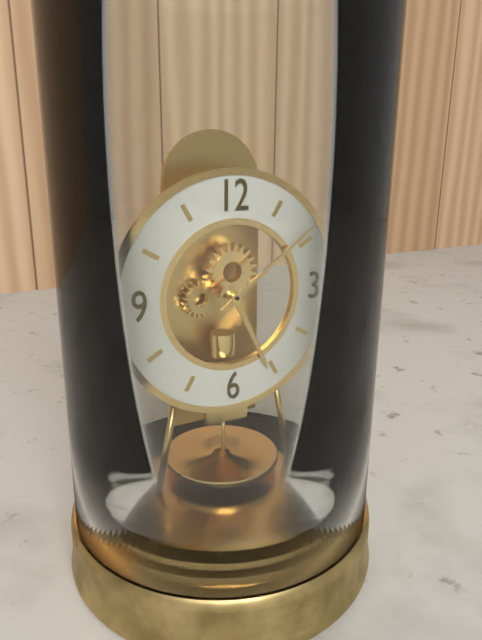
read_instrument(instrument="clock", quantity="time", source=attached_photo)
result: 5:09
